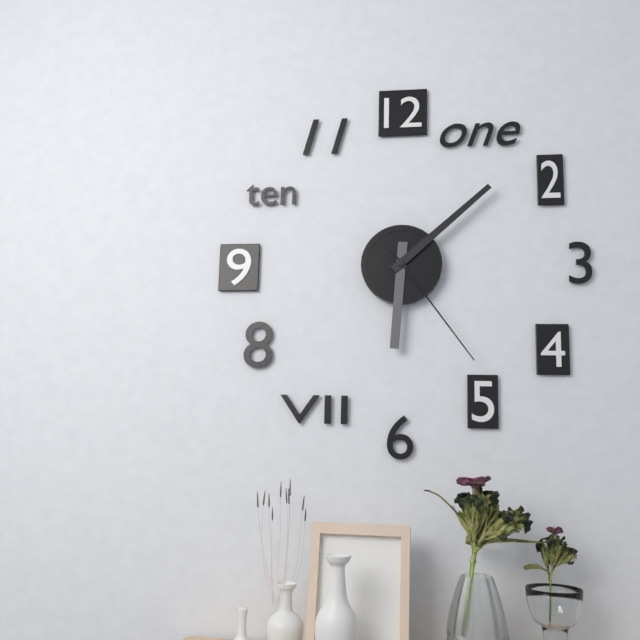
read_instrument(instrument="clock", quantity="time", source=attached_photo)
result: 6:08:24
